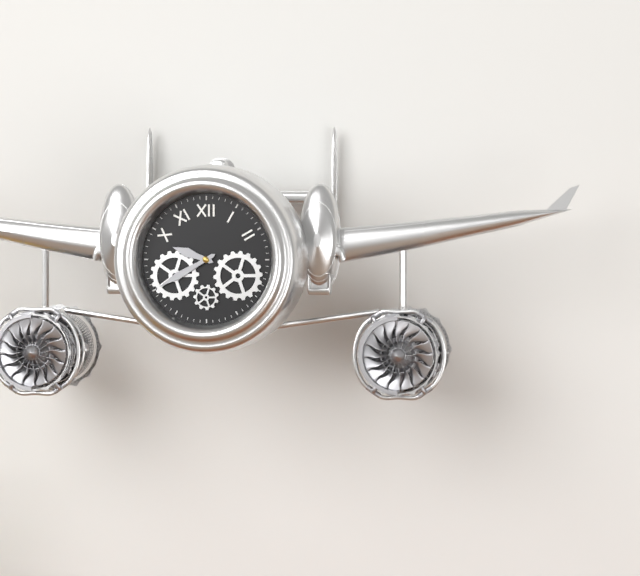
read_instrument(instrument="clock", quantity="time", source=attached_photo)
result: 9:40
